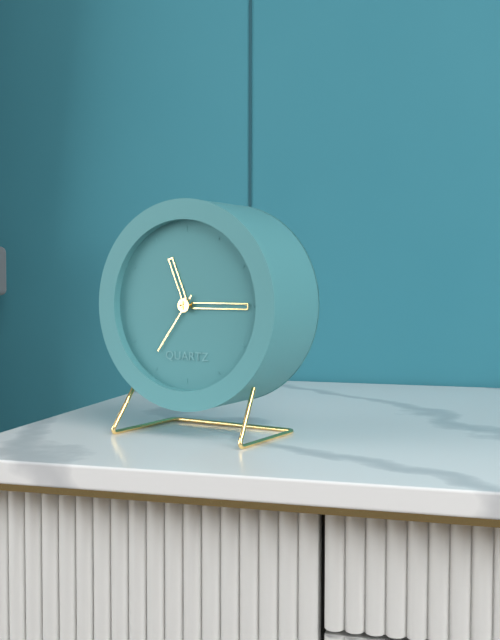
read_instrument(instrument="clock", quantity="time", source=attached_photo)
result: 11:15:36
